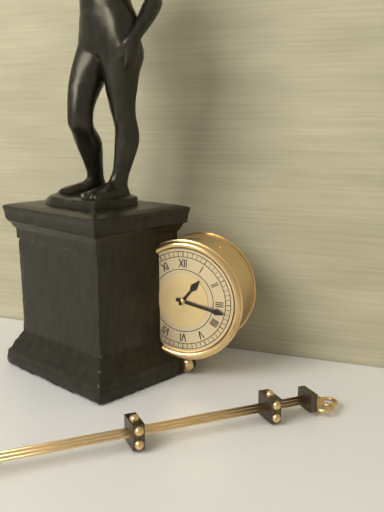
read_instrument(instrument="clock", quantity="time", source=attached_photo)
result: 1:17
